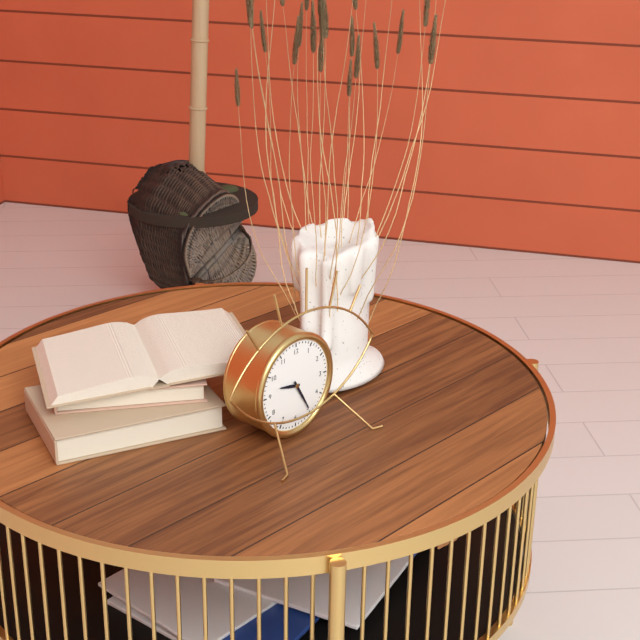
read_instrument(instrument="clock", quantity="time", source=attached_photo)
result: 9:25
